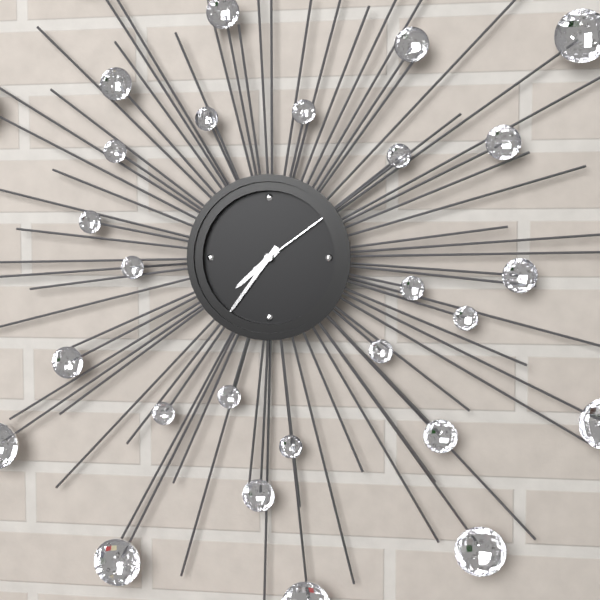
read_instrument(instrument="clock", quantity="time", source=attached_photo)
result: 7:36:09
